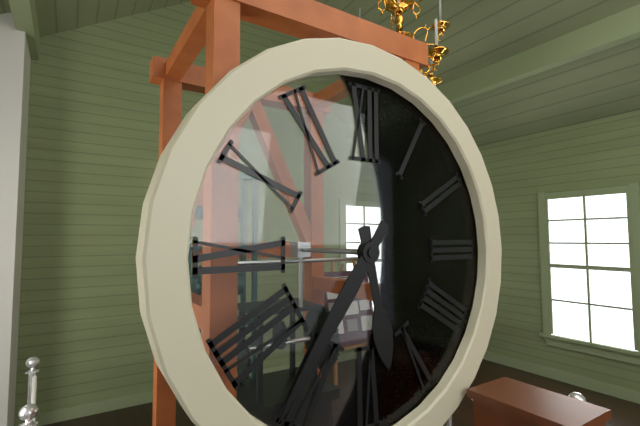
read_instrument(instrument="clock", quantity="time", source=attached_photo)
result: 5:36
